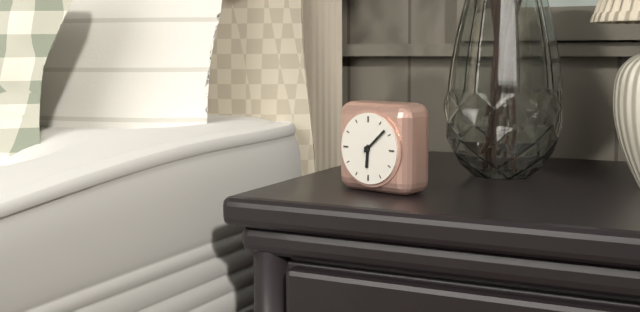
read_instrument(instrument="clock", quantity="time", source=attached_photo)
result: 6:08
